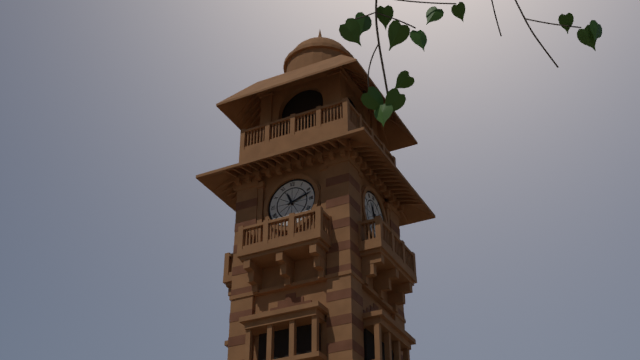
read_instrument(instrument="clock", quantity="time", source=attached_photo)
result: 11:12
